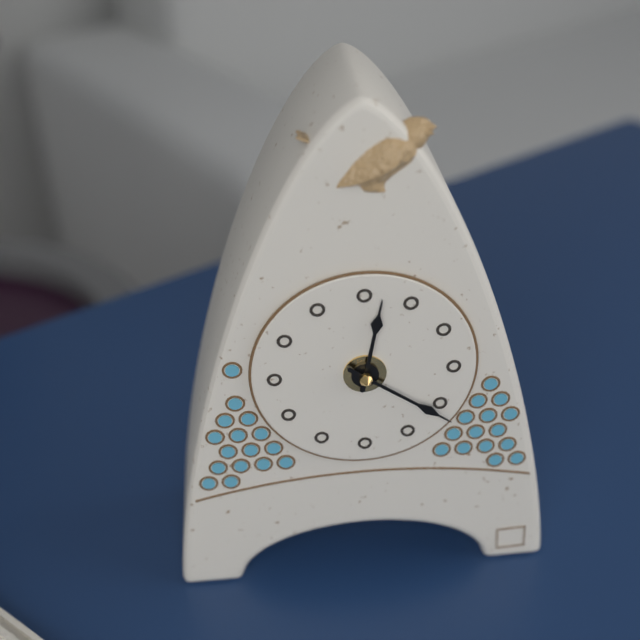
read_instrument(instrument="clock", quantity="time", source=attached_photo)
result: 12:21
